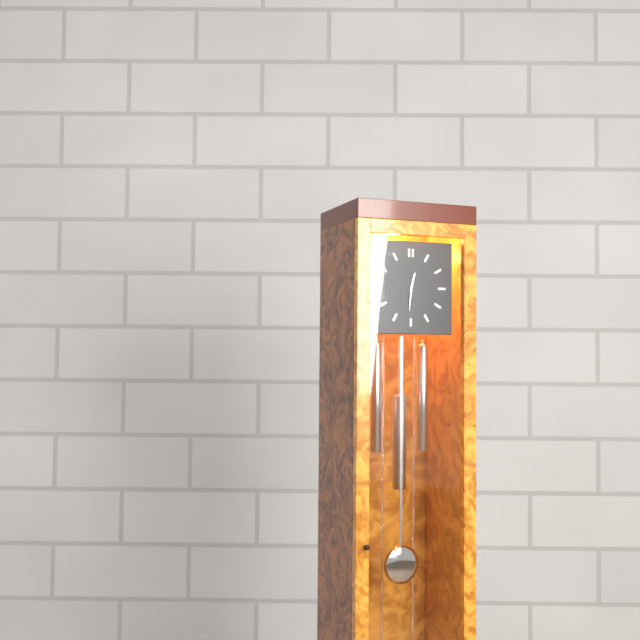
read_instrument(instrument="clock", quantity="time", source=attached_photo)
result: 12:31
